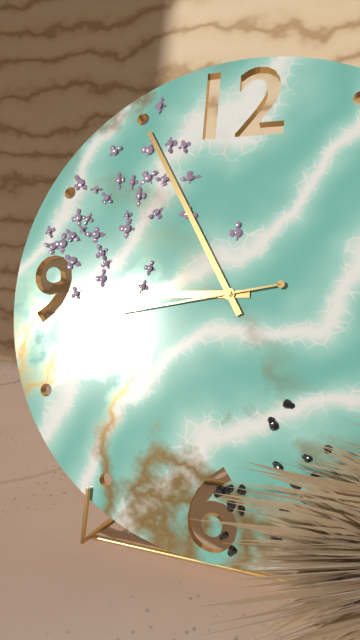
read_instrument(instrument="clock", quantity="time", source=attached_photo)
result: 8:55:43
